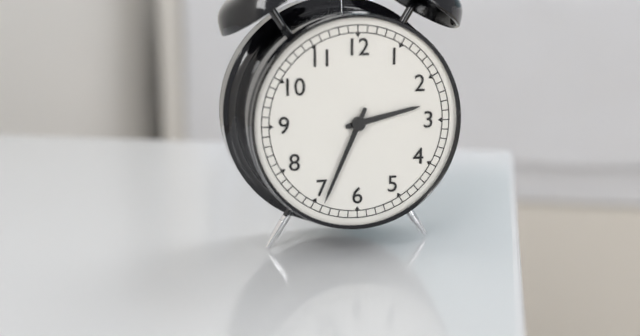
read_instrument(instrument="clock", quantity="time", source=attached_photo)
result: 2:34
